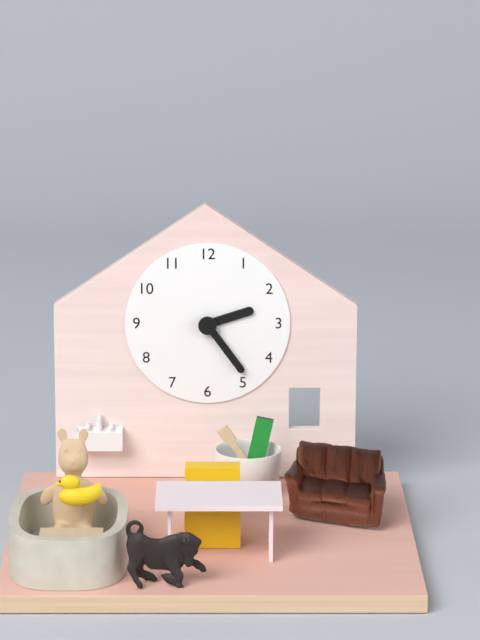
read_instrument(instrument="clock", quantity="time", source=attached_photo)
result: 2:24
